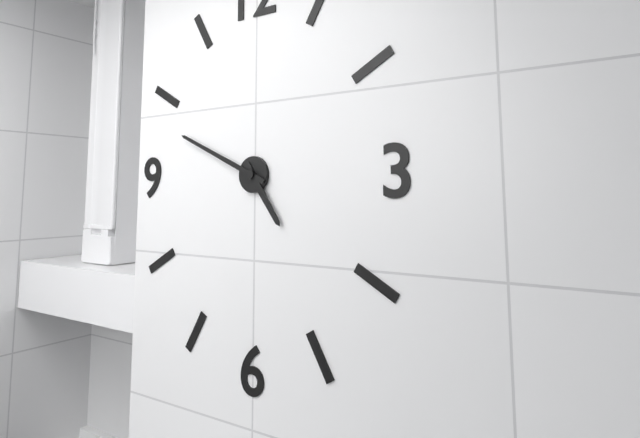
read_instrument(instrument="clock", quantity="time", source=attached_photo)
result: 4:49
